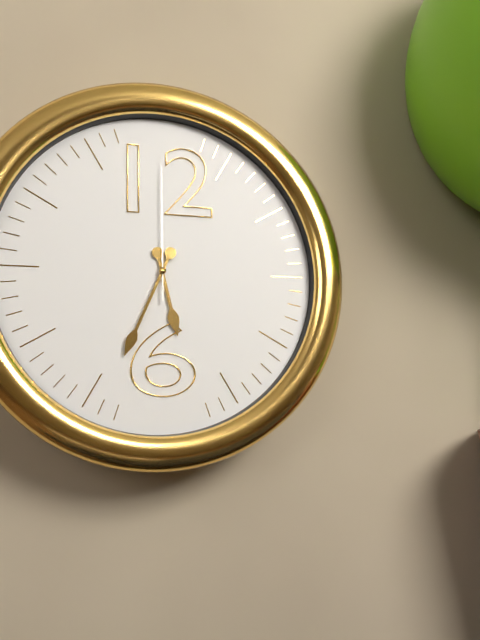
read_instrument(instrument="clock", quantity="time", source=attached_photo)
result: 5:34:00
